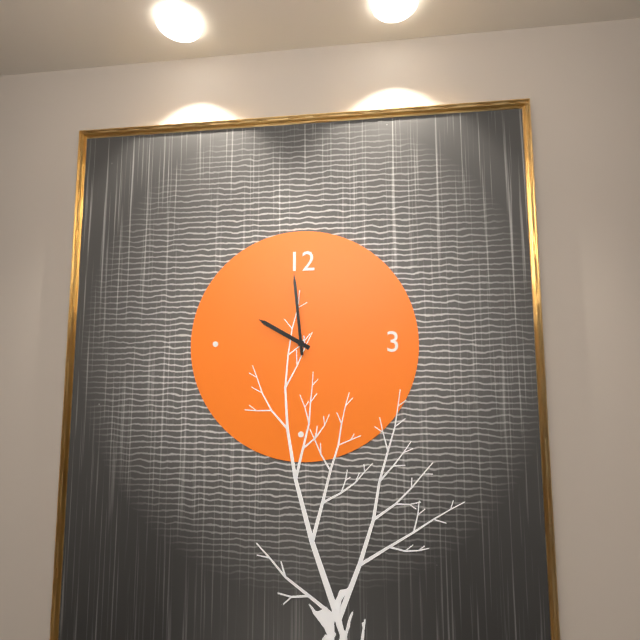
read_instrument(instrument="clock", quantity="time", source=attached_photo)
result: 9:59
